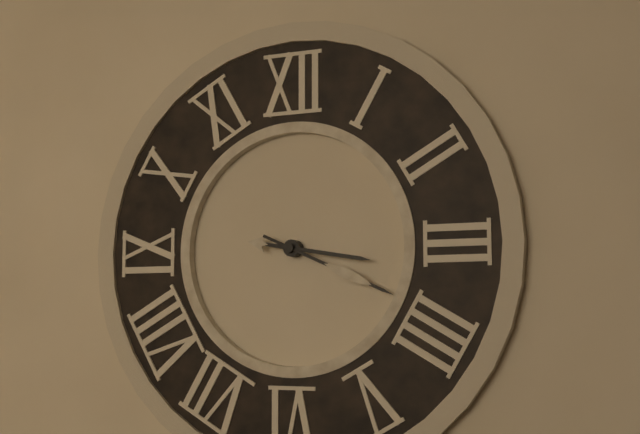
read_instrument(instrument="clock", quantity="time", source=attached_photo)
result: 3:19
